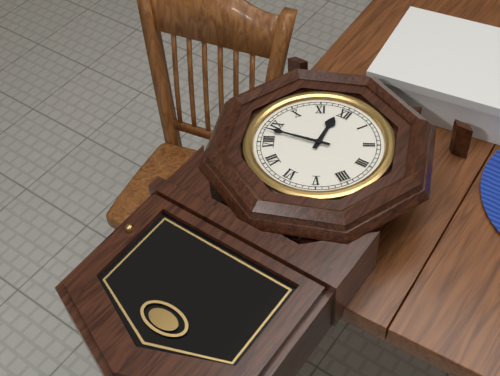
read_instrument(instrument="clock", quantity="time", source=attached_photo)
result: 11:43
